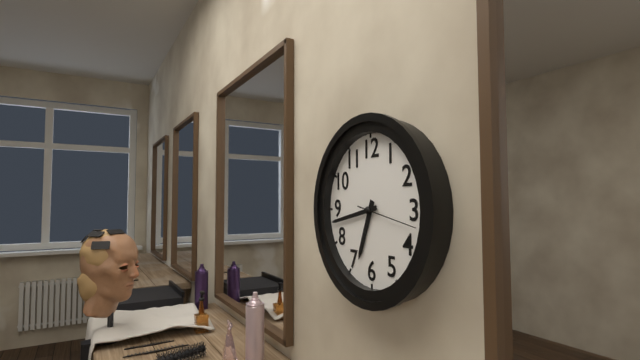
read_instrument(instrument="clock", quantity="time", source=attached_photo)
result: 6:43:17
